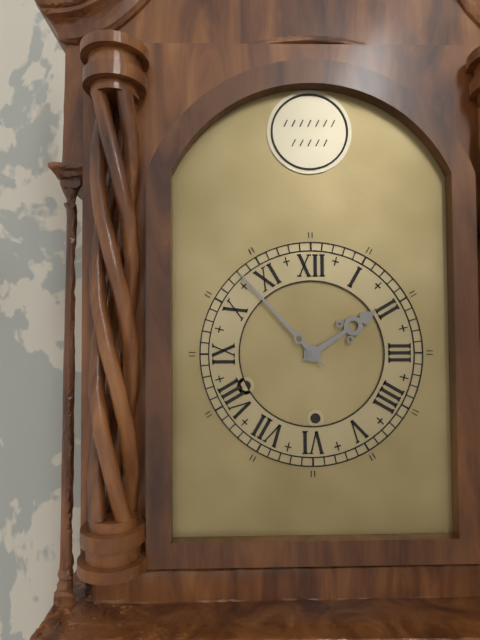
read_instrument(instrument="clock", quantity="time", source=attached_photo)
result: 1:53
